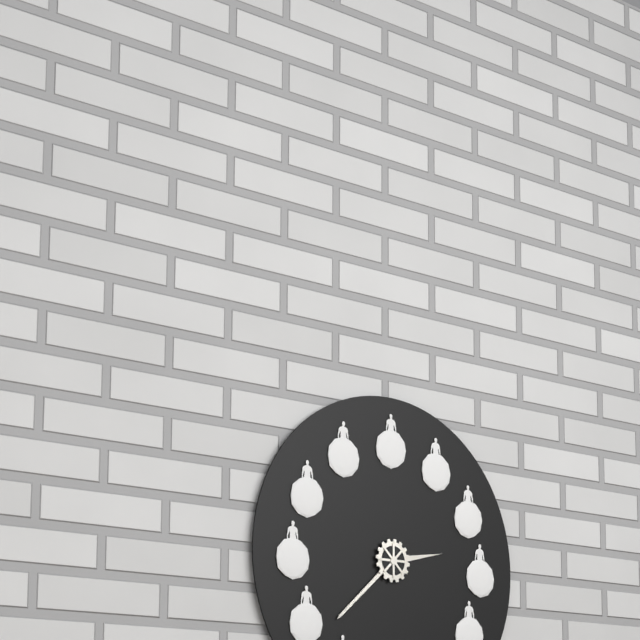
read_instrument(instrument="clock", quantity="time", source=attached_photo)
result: 2:38
